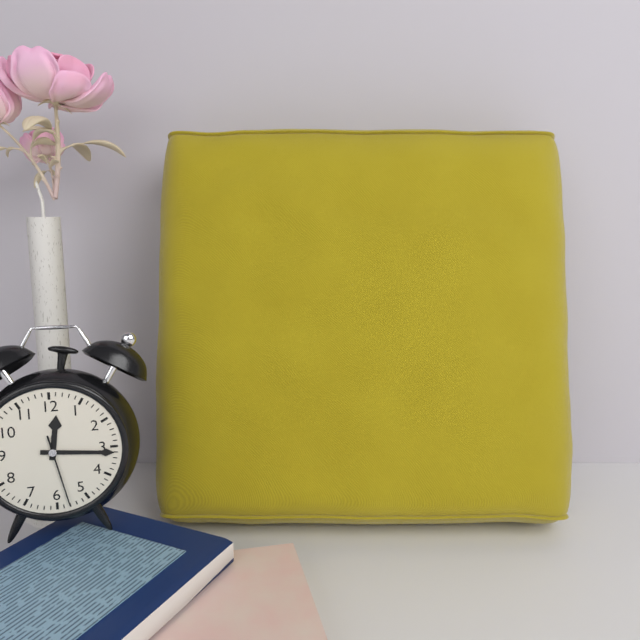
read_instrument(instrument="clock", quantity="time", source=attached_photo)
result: 12:16:28
